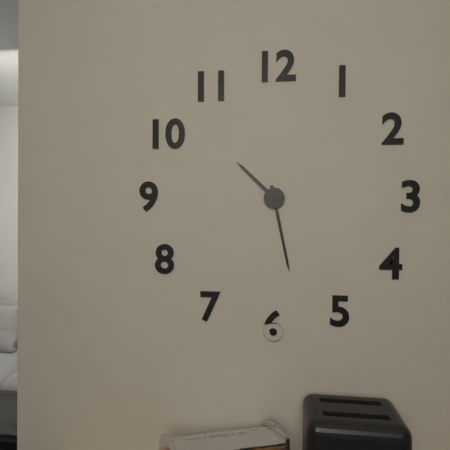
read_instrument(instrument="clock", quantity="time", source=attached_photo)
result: 10:28
